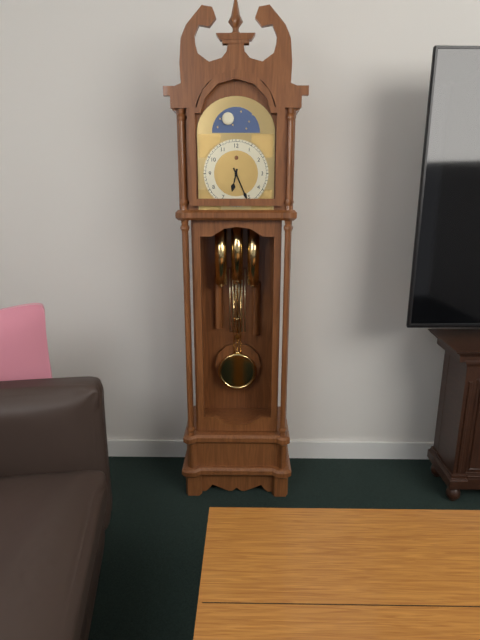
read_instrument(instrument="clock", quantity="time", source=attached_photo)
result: 6:26
